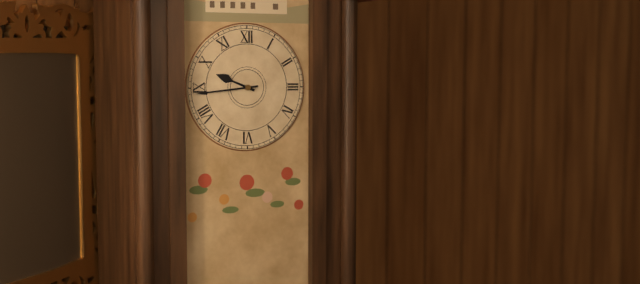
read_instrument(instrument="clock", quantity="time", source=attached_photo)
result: 9:44
